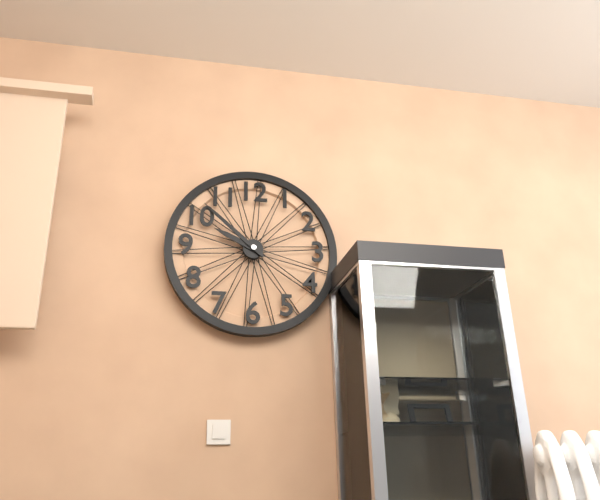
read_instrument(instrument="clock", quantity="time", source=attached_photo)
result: 9:52
